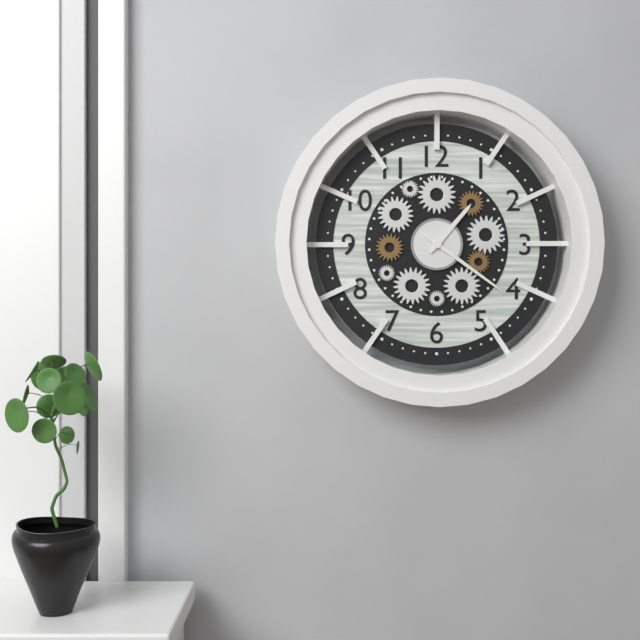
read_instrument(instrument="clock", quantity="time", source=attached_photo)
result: 1:21
